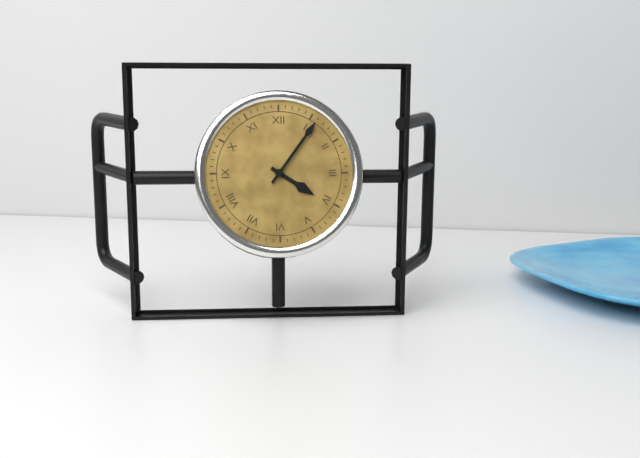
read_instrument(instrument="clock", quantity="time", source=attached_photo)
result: 4:06
